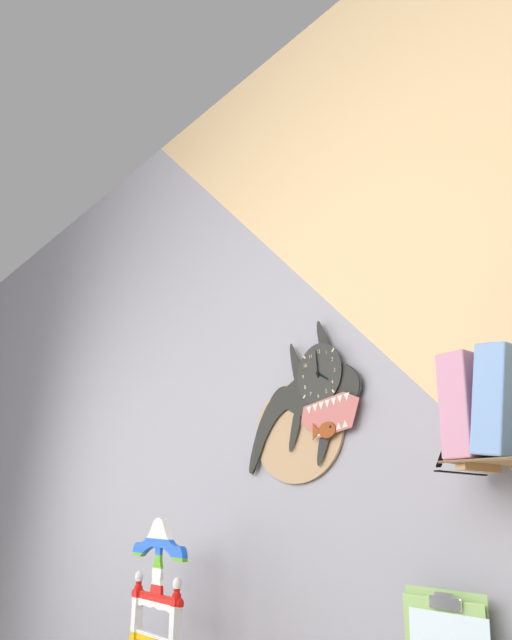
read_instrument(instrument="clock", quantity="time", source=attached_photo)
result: 3:59
